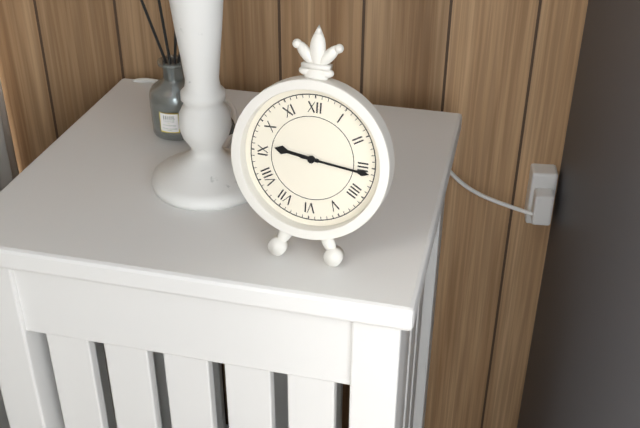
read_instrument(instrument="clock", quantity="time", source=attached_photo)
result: 9:16
